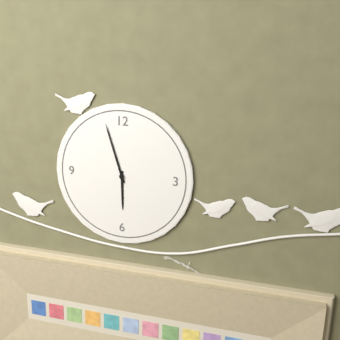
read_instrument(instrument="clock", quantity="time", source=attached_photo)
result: 5:57
